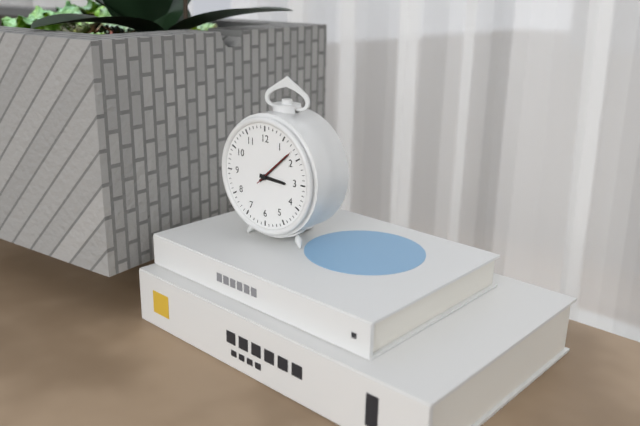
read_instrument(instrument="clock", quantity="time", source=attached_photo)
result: 3:08
